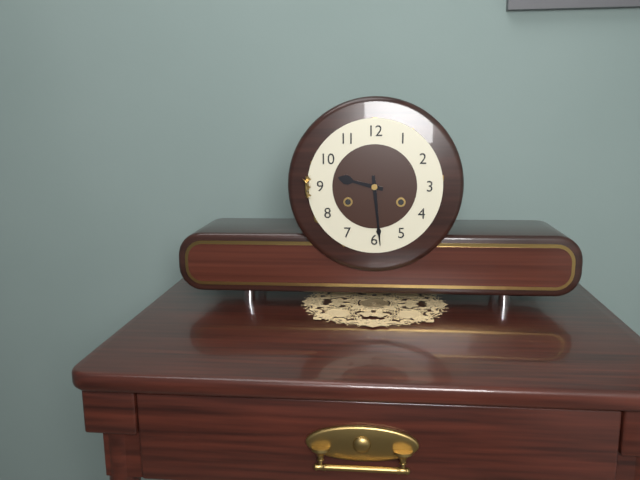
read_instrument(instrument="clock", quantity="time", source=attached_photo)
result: 9:29
